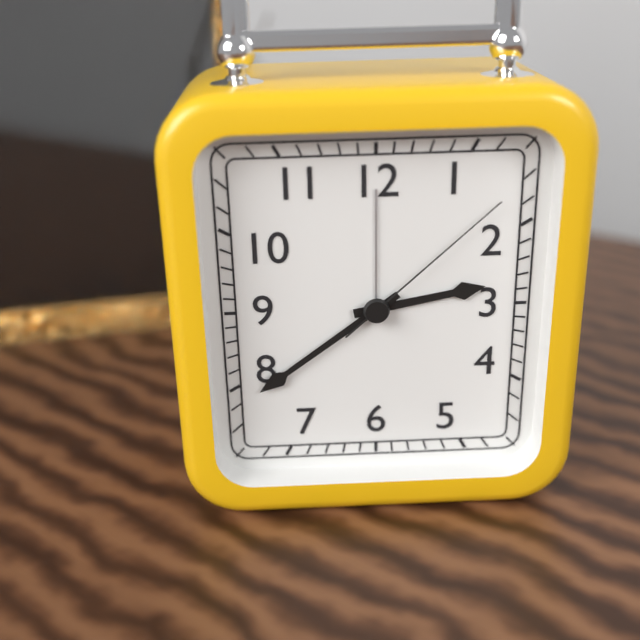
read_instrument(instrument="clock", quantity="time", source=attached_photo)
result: 2:39:08
